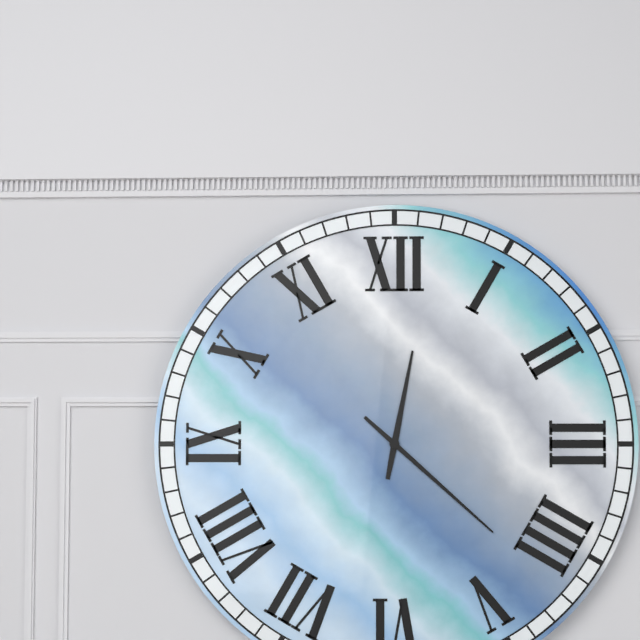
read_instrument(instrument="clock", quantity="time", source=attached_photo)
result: 12:22
